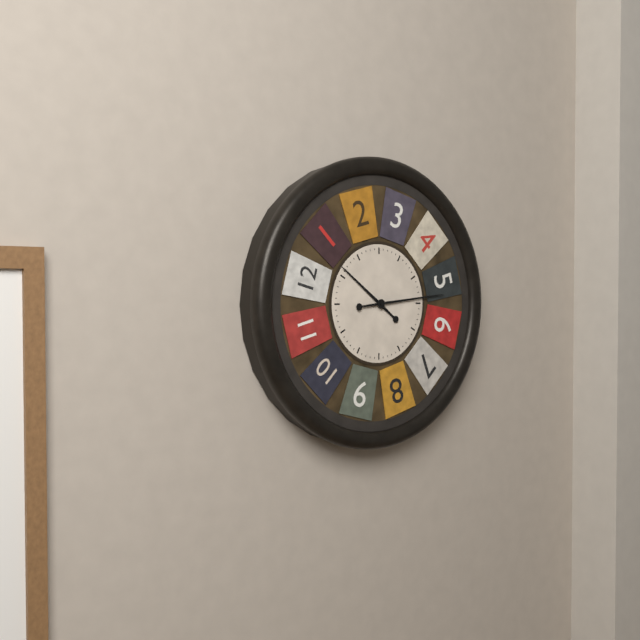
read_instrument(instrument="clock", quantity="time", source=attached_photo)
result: 10:14
